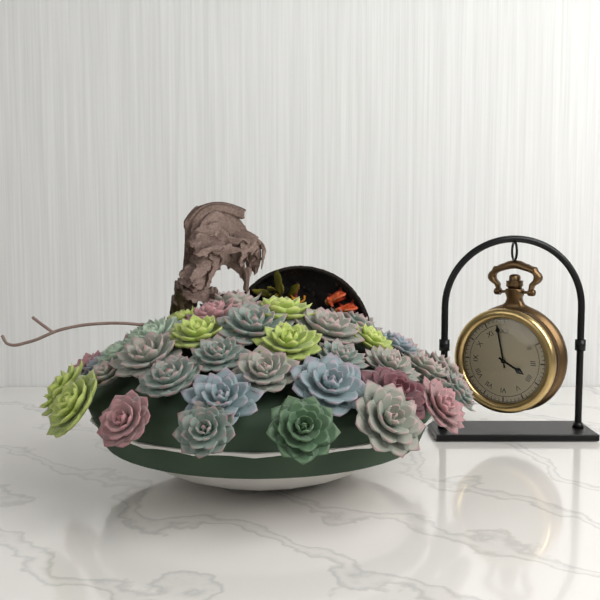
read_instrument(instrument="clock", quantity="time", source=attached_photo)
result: 3:58
